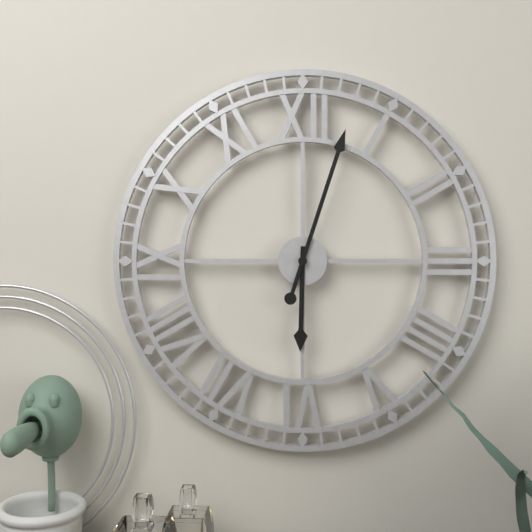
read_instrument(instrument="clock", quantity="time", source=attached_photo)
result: 6:03
